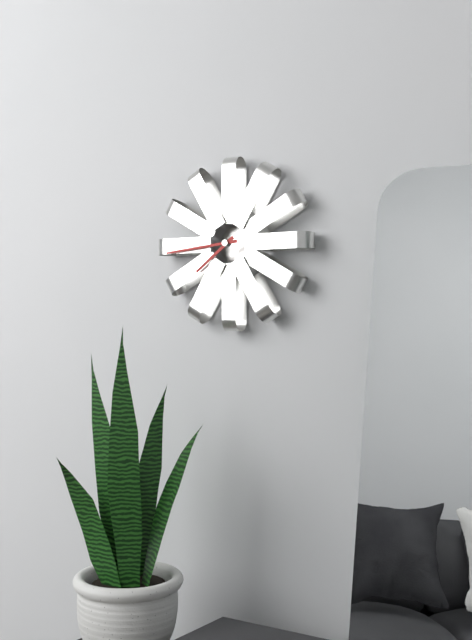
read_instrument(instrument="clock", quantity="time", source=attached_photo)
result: 7:44
